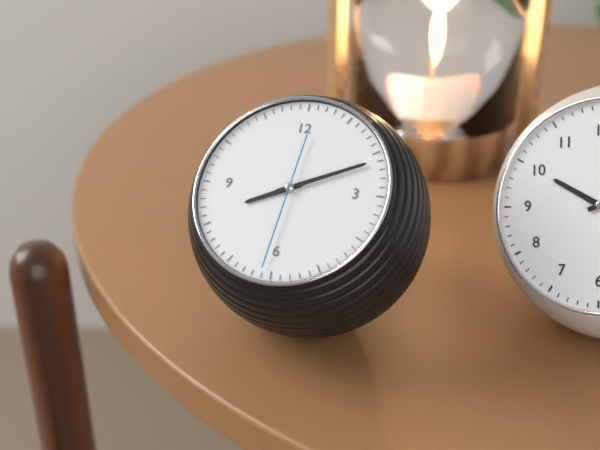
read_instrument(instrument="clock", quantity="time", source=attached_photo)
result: 8:11:31
